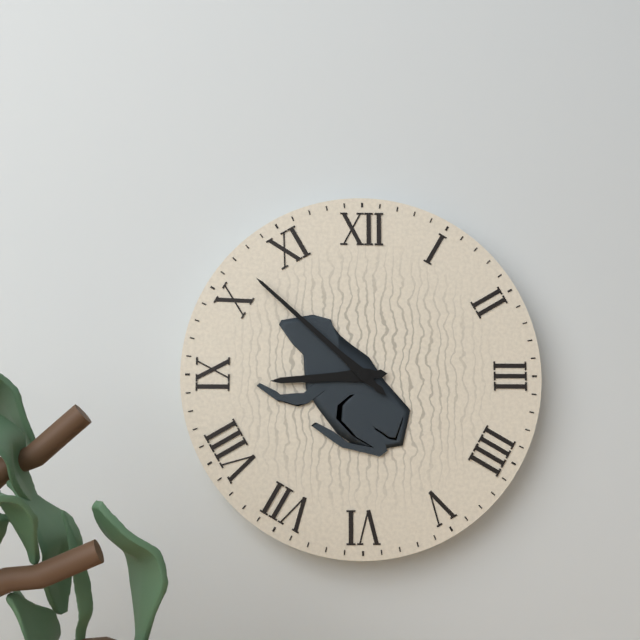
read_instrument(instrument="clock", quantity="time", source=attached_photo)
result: 8:52
